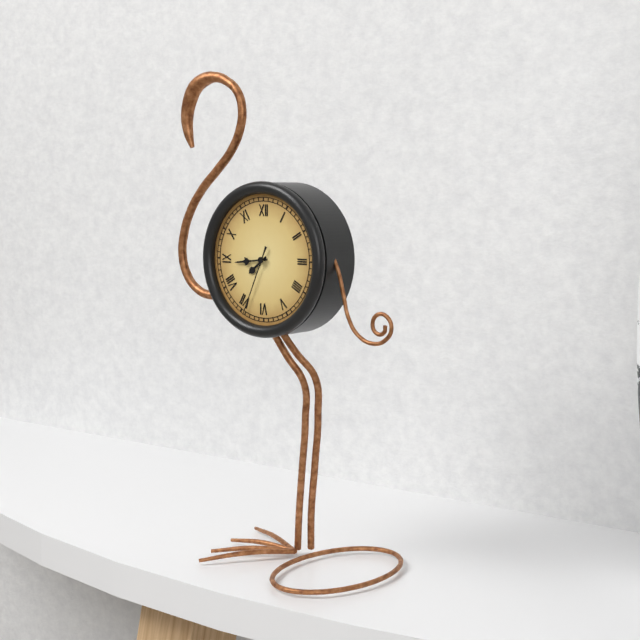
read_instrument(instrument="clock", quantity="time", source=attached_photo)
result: 7:44:34
